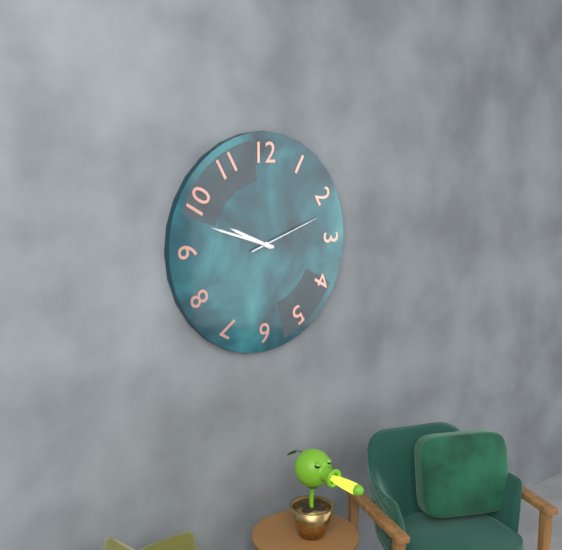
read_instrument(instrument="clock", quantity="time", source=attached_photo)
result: 9:48:12
